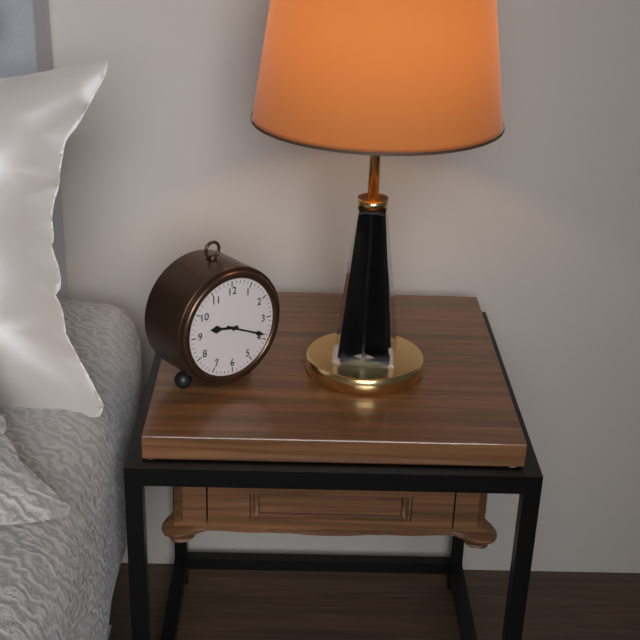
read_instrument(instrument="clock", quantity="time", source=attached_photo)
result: 9:19
